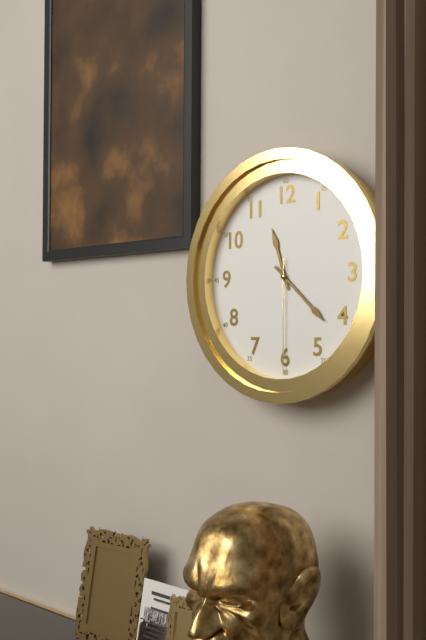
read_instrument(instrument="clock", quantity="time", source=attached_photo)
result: 11:22:30
